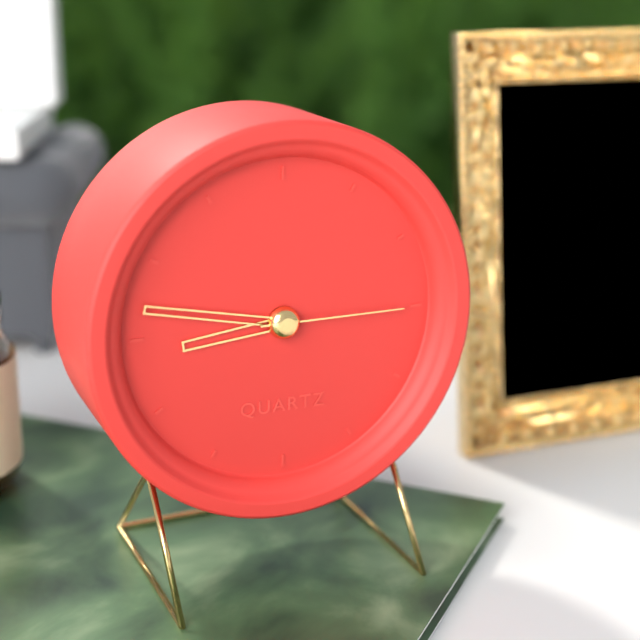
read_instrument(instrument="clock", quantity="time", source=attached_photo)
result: 8:47:15
